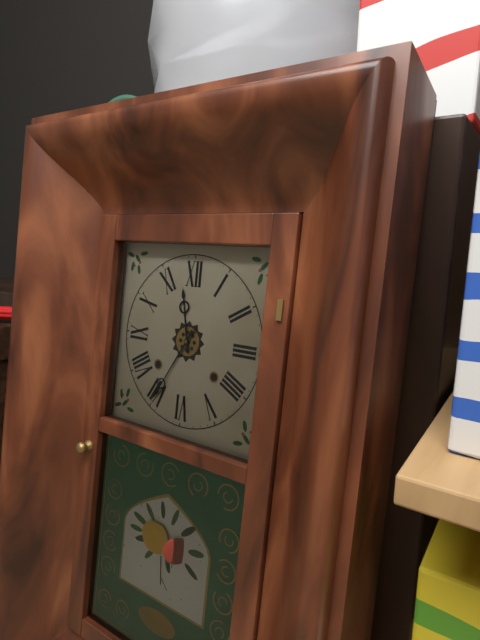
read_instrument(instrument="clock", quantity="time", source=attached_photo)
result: 11:35
